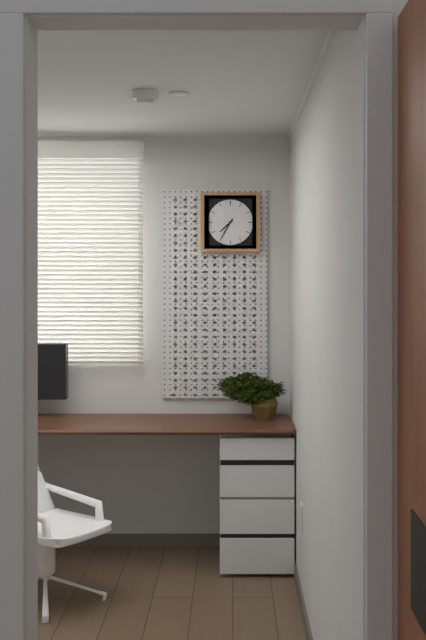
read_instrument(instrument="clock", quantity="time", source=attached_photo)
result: 7:35
